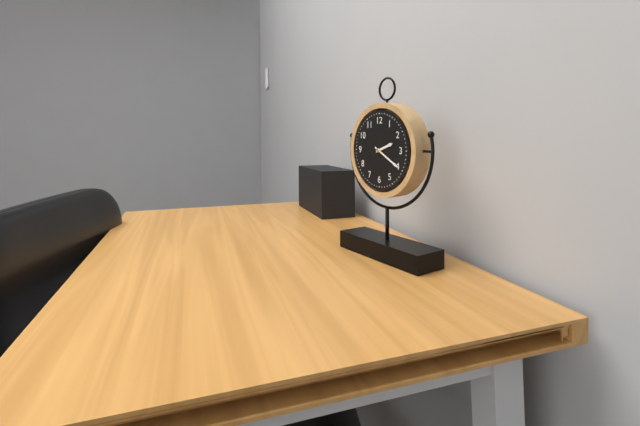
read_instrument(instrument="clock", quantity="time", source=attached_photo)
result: 2:20
